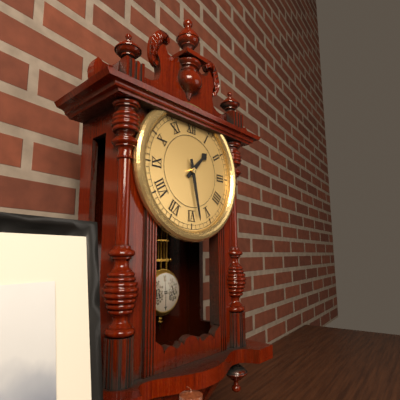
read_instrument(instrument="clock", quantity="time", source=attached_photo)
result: 1:28
